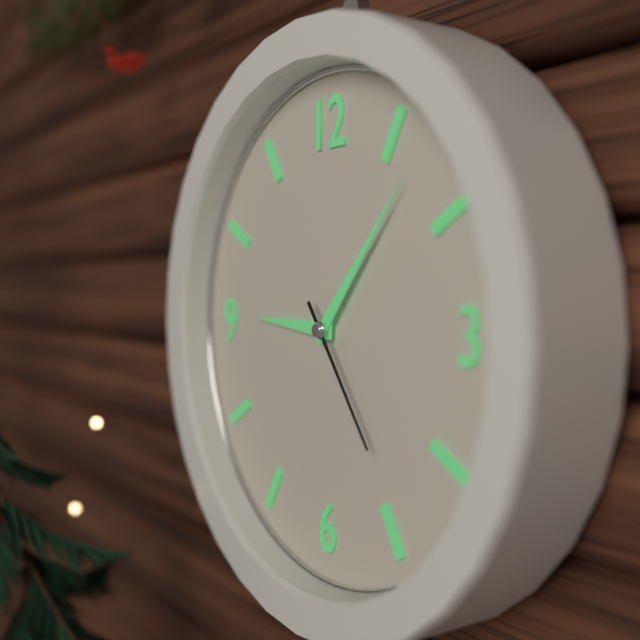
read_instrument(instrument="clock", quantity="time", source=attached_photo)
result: 9:07:24
